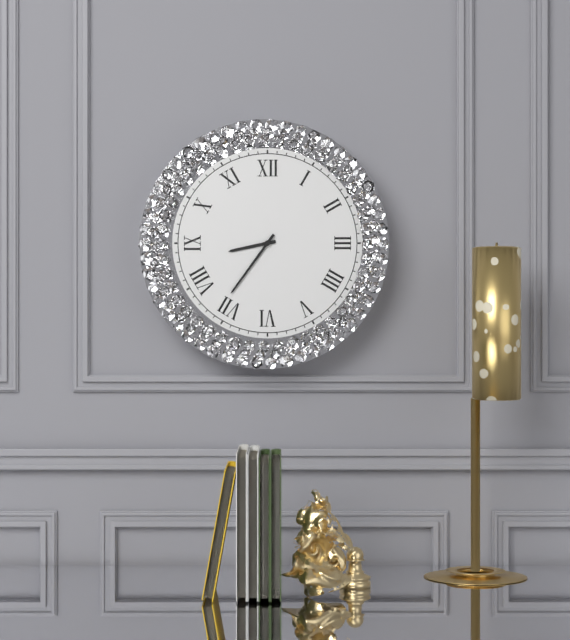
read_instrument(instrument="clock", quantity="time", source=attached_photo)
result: 8:36
